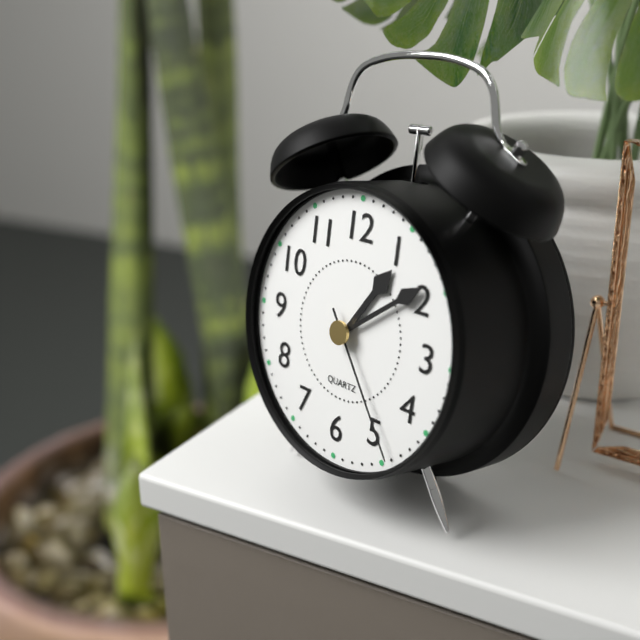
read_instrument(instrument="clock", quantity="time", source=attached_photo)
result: 1:09:24
